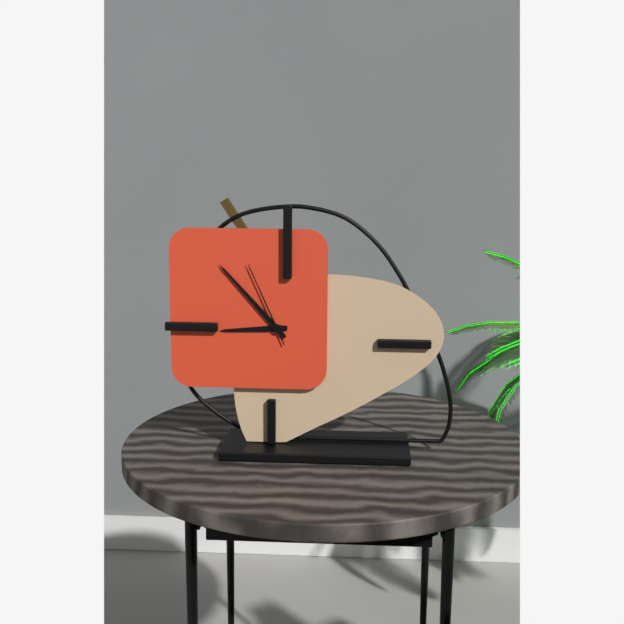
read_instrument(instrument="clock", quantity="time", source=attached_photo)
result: 8:53:56
